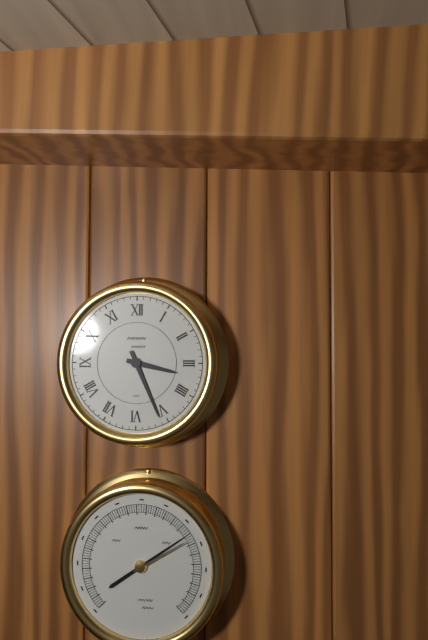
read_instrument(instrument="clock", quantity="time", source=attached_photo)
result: 3:26
